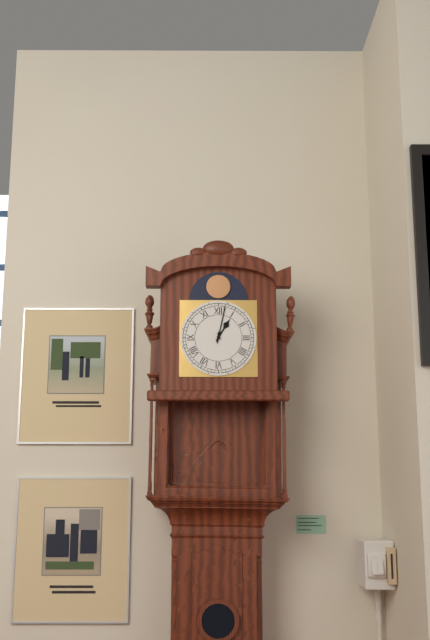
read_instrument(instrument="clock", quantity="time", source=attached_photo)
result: 1:02
